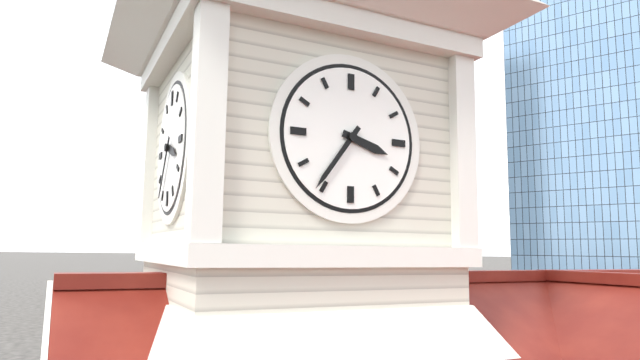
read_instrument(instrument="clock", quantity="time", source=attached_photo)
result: 3:36
